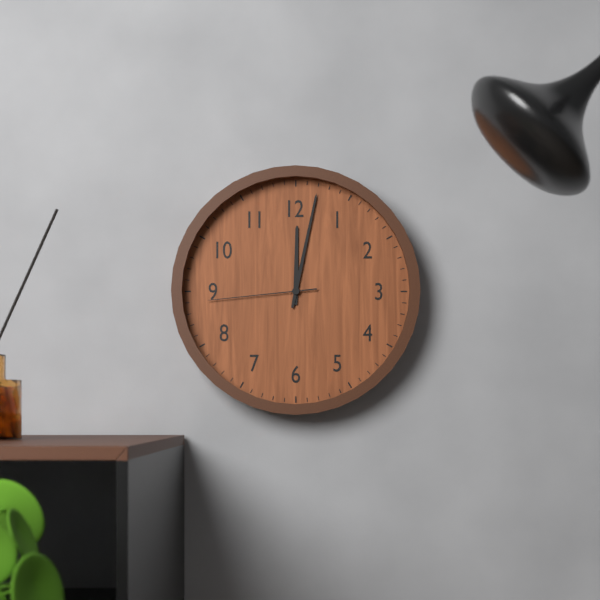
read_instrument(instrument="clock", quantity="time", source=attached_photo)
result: 12:02:44
